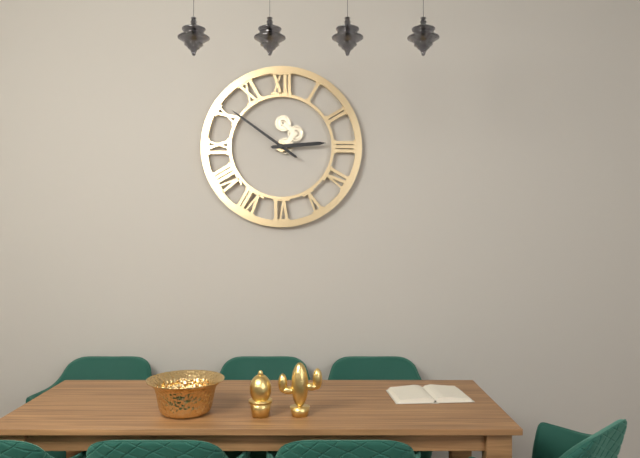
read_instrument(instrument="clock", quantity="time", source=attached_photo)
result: 2:51
